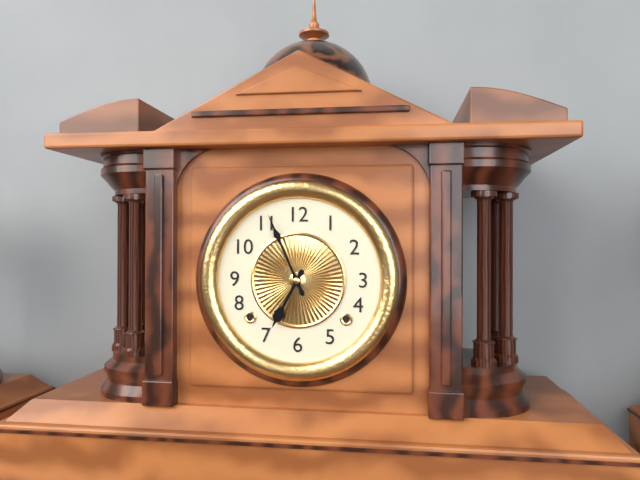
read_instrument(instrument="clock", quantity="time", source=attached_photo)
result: 6:56
